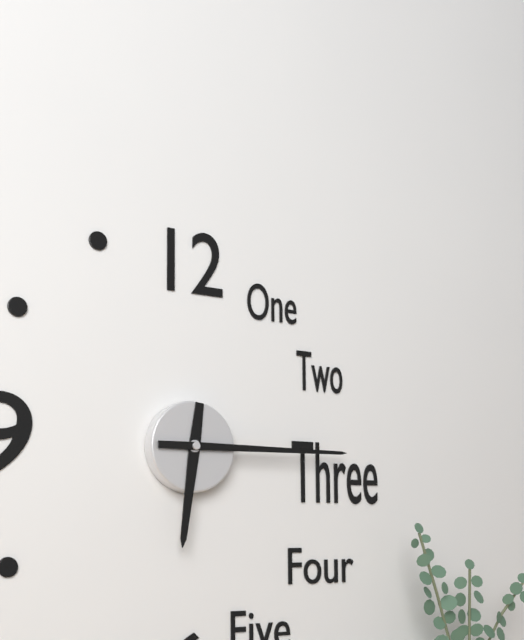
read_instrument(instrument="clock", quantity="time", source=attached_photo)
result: 6:15
